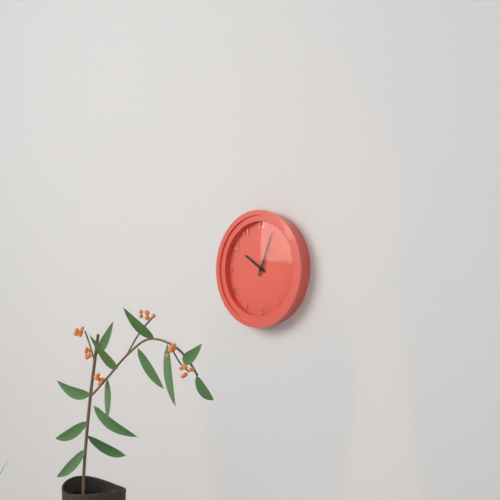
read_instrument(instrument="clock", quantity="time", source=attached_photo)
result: 10:04
